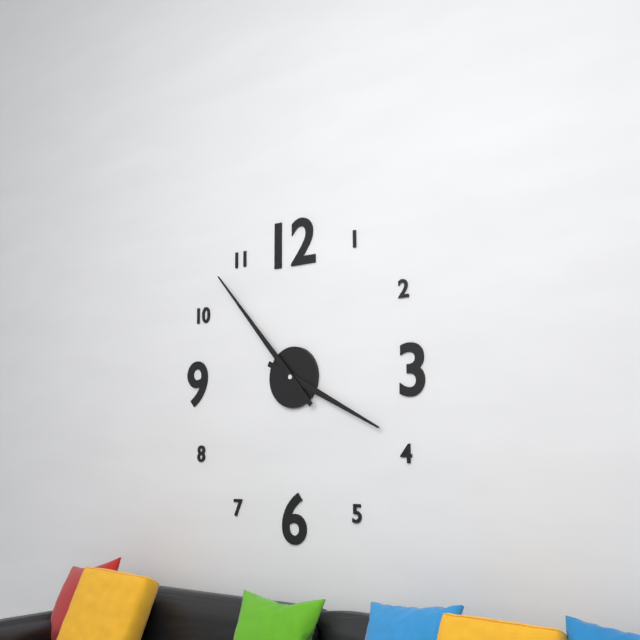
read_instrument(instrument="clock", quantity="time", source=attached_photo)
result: 3:53
